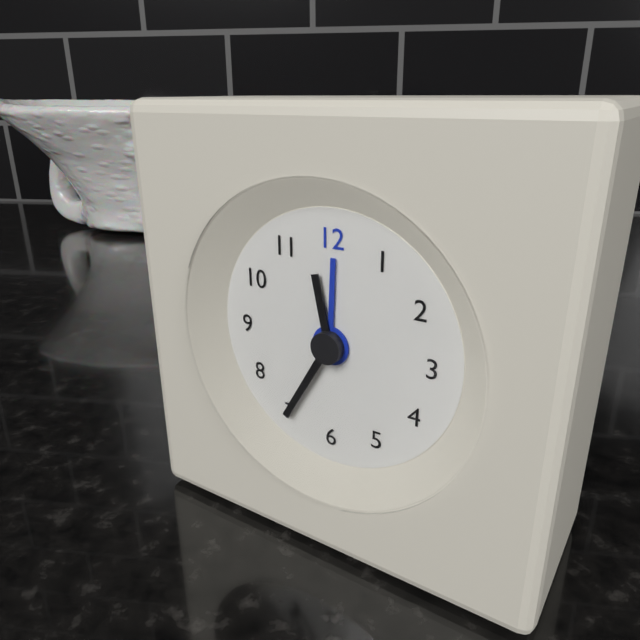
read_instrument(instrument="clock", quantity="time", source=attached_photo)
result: 11:35
